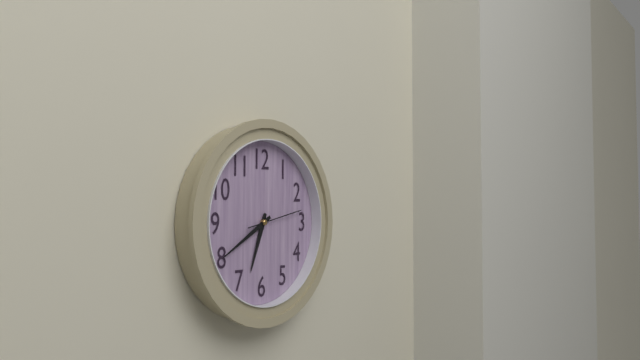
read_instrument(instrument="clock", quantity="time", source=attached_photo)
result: 6:40
